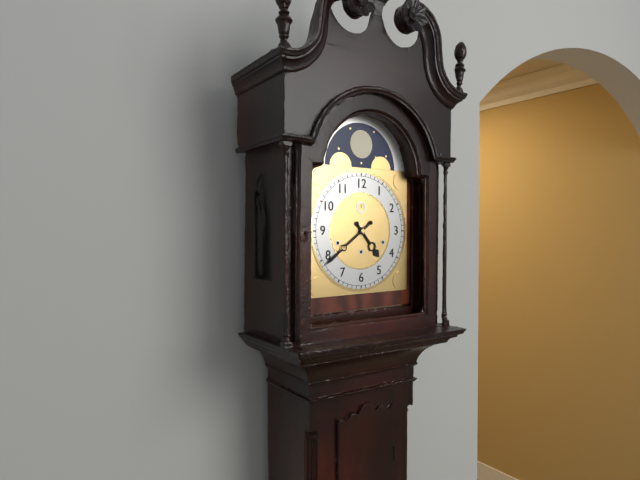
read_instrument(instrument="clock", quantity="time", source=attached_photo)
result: 4:39
